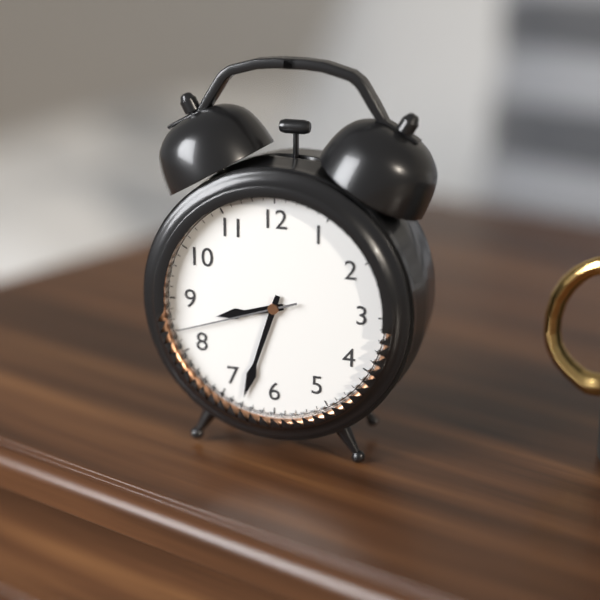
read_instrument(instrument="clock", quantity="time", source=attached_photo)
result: 8:33:42
